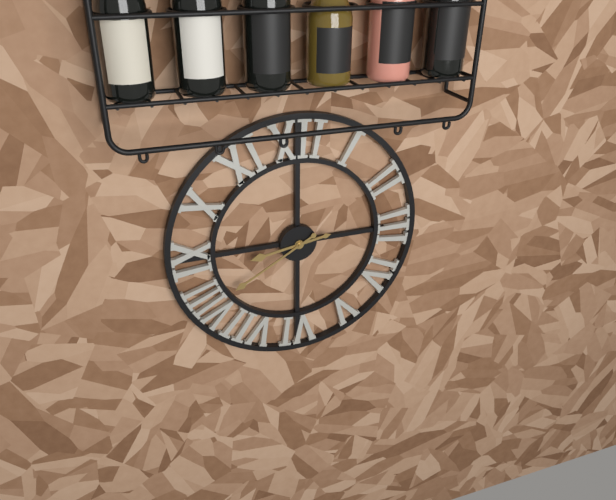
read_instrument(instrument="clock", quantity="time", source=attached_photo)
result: 8:40
